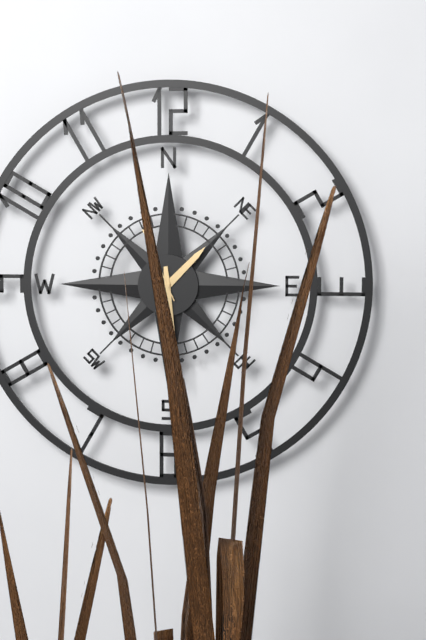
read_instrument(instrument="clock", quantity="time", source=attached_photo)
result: 1:29:56
